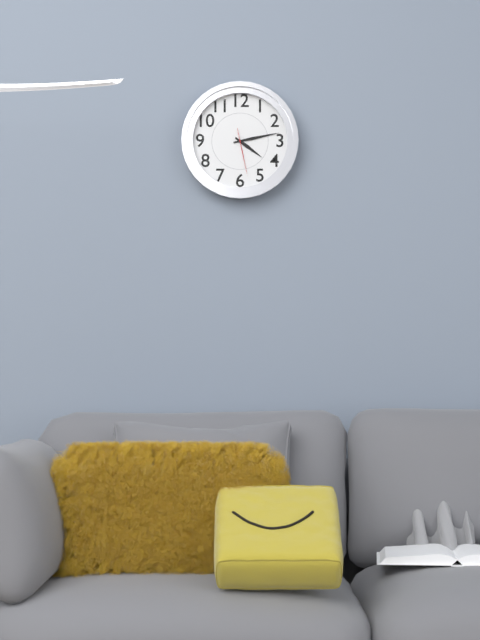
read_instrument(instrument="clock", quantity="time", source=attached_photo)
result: 4:13
